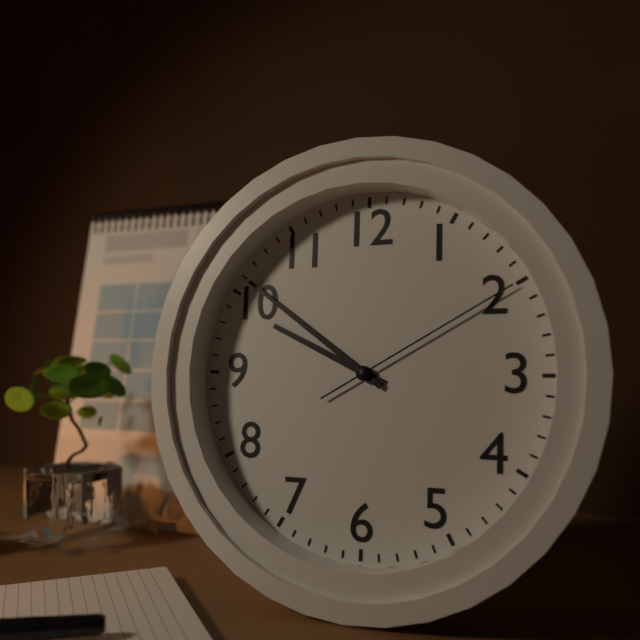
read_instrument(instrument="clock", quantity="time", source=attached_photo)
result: 9:51:10
